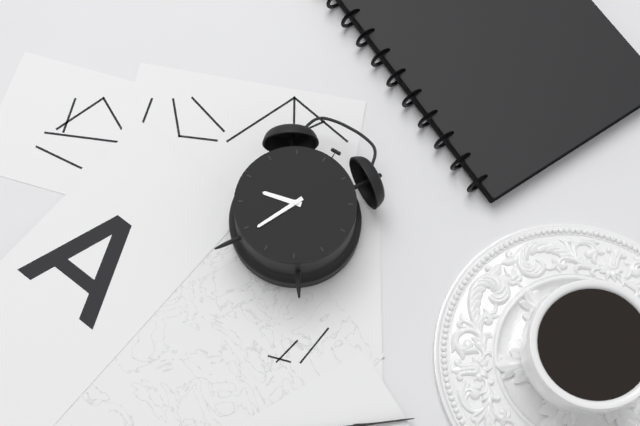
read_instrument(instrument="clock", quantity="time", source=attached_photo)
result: 8:34
